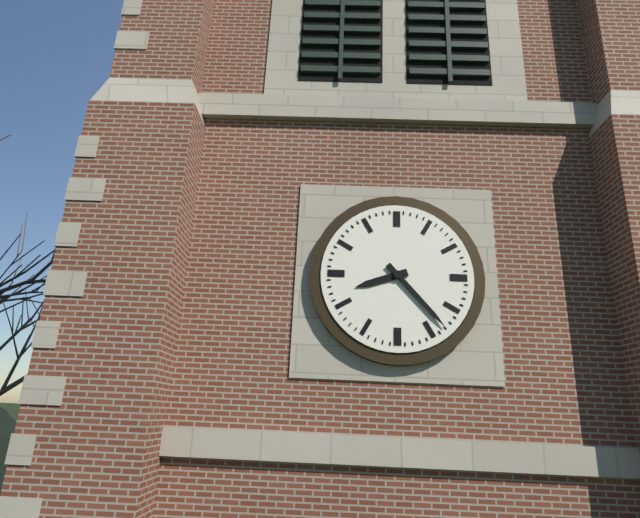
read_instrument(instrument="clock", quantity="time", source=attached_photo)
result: 8:23
